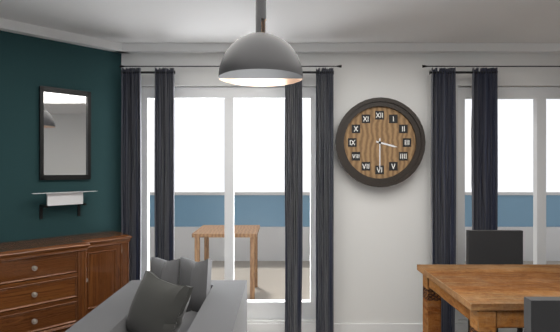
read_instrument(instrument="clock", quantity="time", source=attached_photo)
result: 3:30
